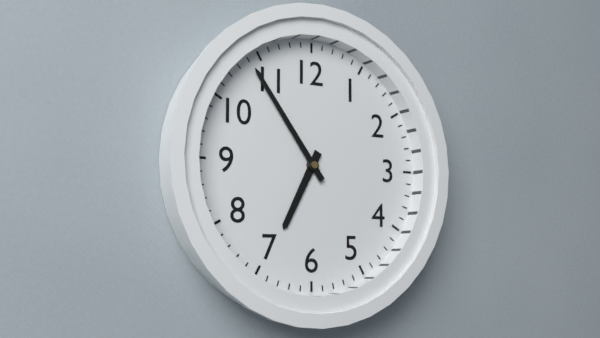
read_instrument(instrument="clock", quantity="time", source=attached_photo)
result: 6:54
